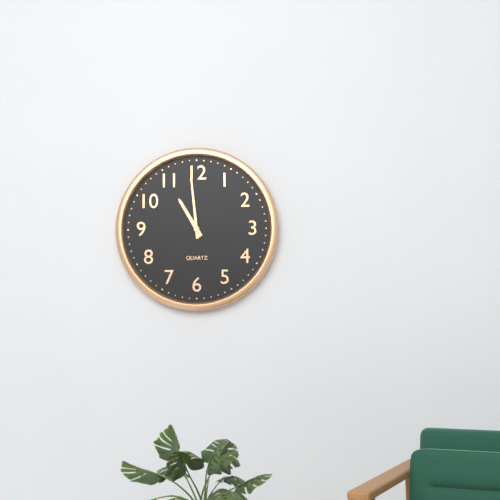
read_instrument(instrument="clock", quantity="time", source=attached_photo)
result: 10:59
